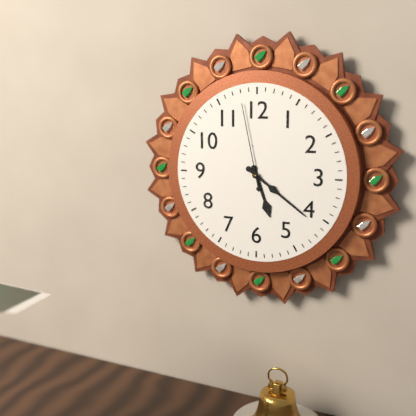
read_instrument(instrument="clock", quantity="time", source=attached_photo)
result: 5:21:58
